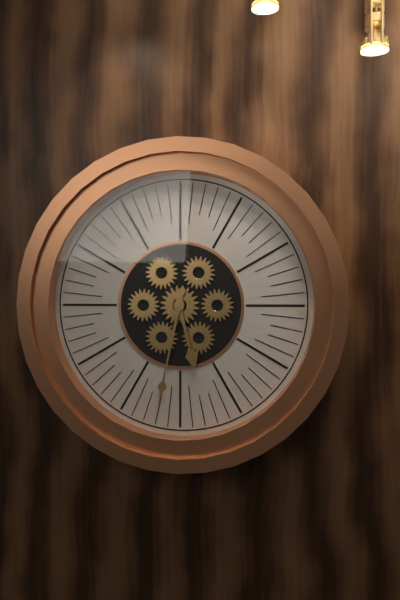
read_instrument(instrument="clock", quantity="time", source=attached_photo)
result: 5:32
